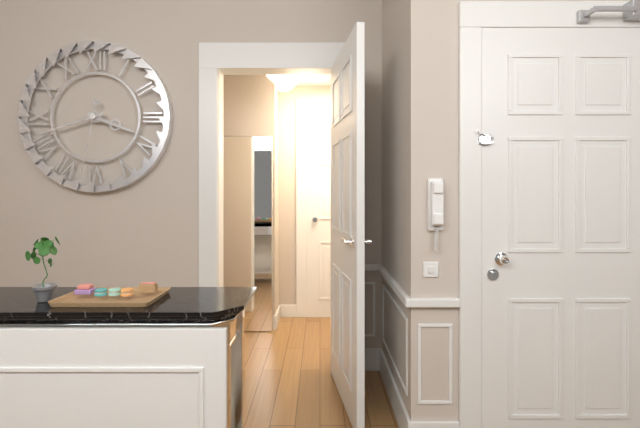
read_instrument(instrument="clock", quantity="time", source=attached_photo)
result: 3:42:32
